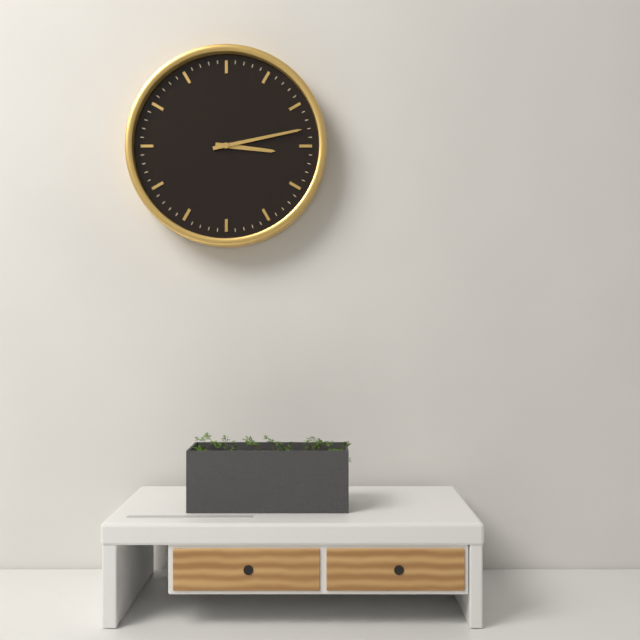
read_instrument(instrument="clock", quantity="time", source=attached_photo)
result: 3:13
